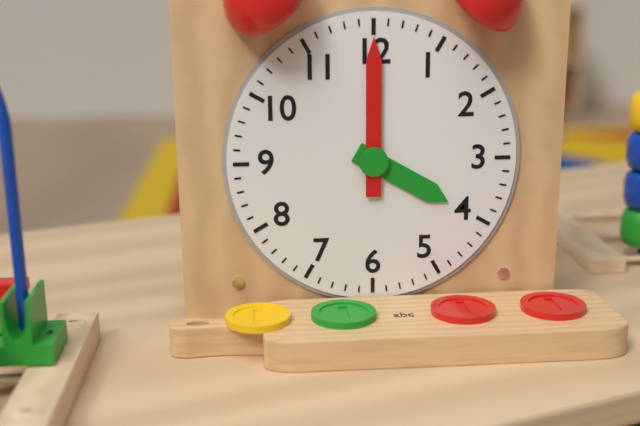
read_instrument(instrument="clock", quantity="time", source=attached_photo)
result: 4:00
